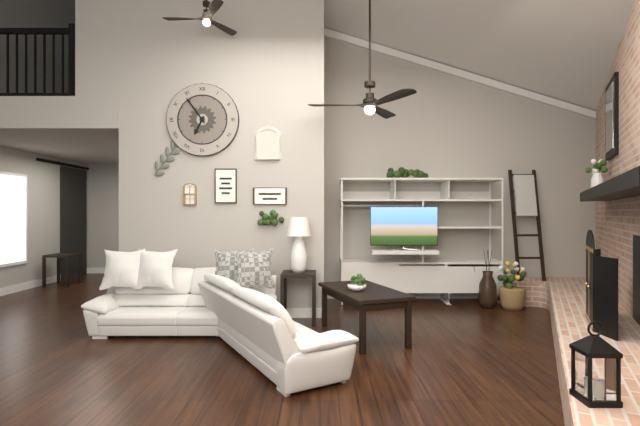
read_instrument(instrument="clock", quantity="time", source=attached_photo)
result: 6:54
